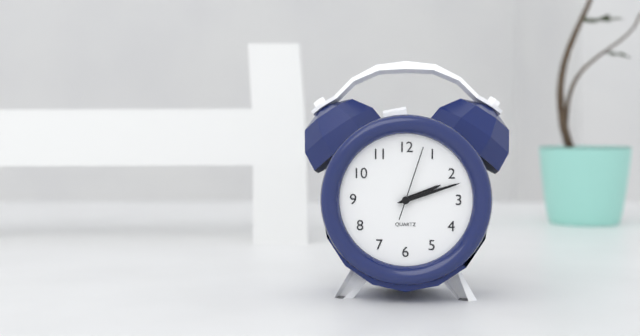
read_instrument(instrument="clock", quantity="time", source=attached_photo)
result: 2:12:03
